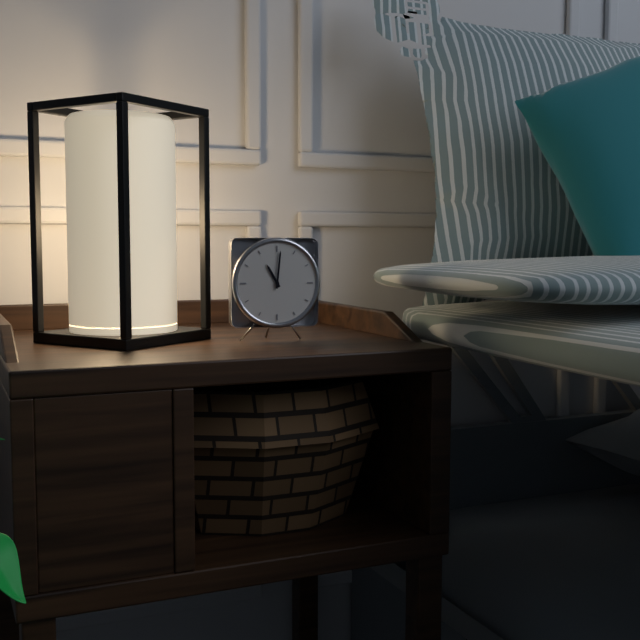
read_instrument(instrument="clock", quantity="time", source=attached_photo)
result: 11:01
